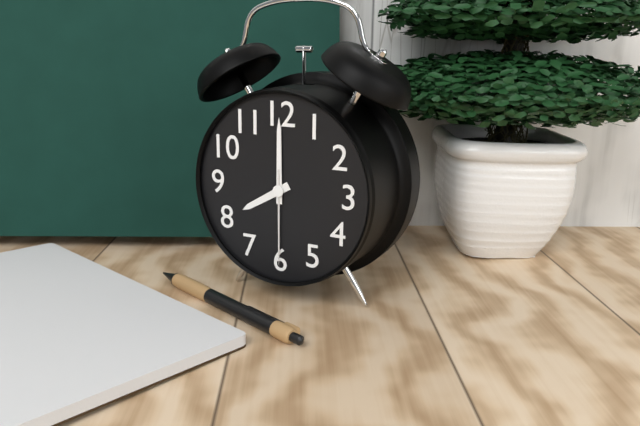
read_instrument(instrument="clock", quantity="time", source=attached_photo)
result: 8:00:30
